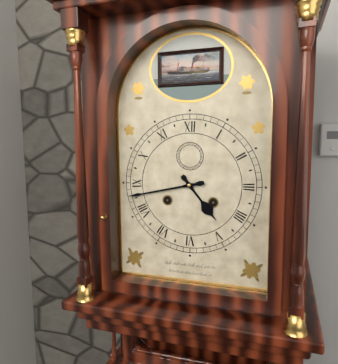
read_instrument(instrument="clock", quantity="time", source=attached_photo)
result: 4:43
